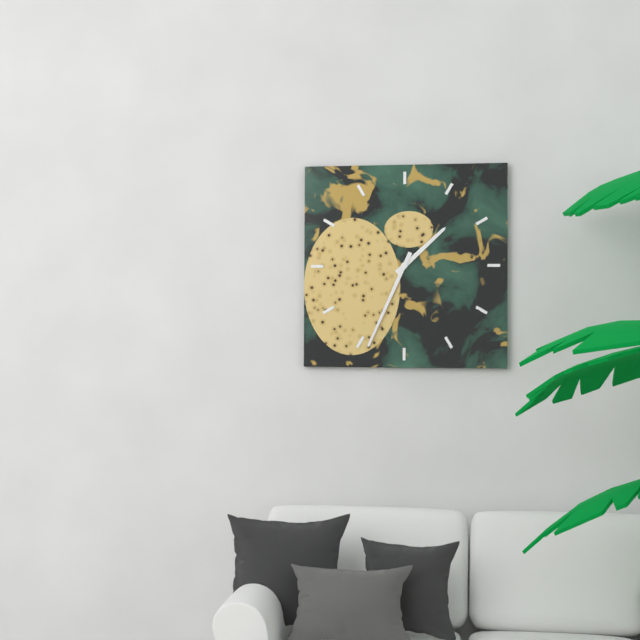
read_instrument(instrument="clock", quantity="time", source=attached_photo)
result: 1:34
